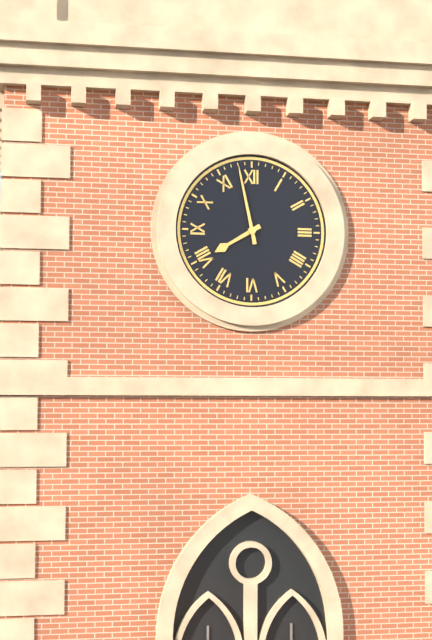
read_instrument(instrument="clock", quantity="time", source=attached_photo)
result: 7:58
